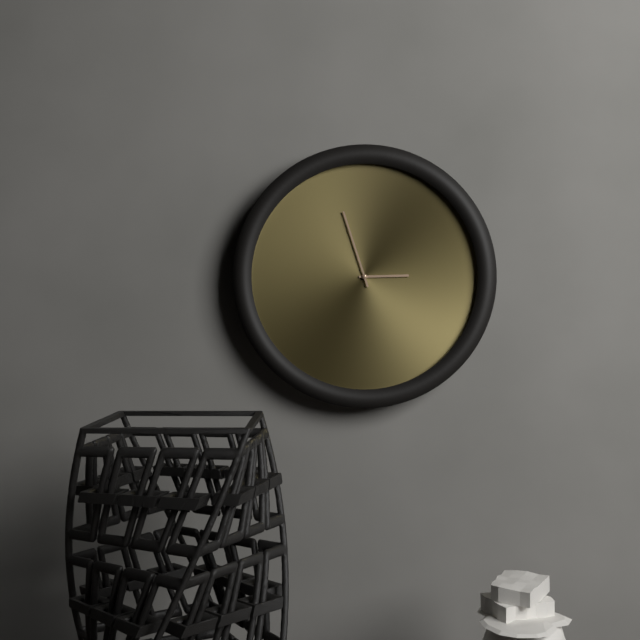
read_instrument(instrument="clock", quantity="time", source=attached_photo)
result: 2:57
